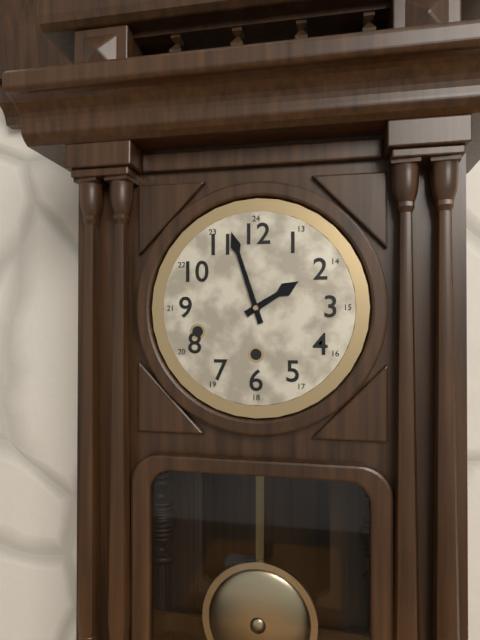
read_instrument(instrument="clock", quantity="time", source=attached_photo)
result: 1:57
